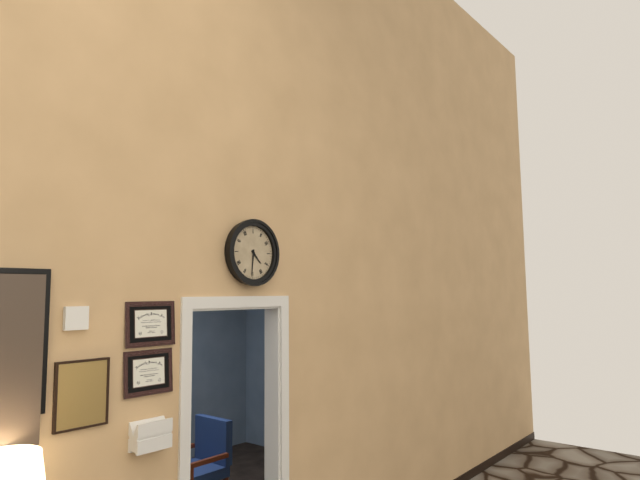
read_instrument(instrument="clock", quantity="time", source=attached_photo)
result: 4:31
